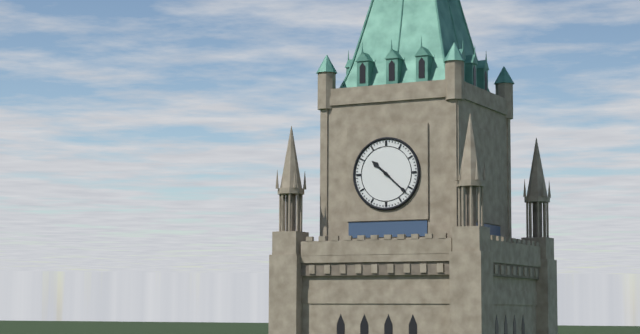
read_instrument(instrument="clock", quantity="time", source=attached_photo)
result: 10:22
